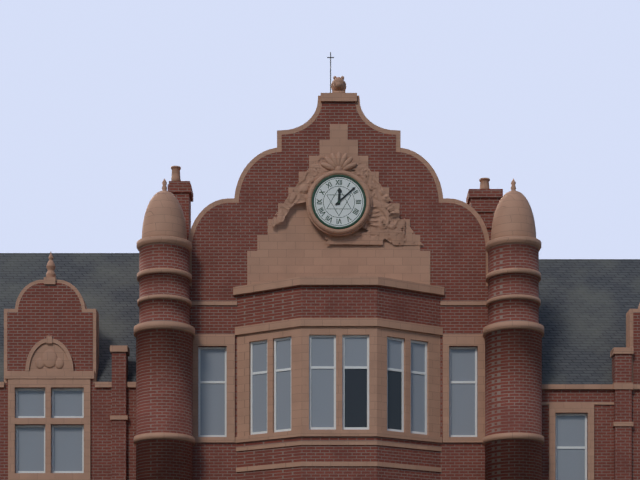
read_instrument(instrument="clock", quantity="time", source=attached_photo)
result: 12:08
